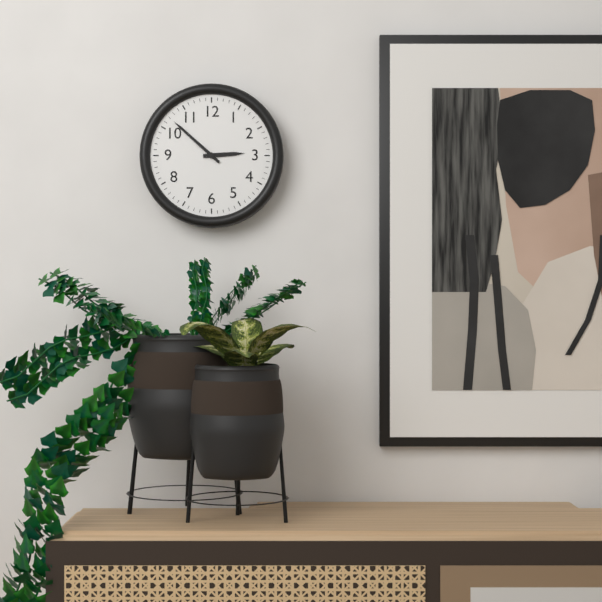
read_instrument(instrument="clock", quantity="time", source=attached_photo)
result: 2:52
